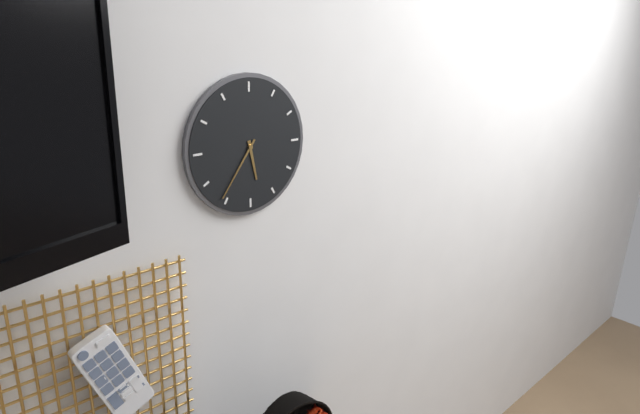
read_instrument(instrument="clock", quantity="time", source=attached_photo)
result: 5:36
